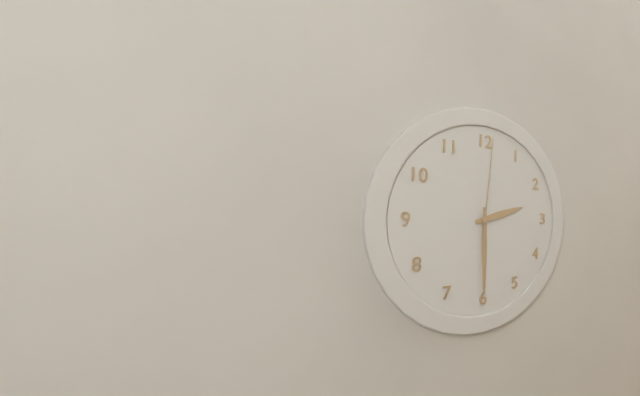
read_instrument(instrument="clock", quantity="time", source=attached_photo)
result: 2:30:01
